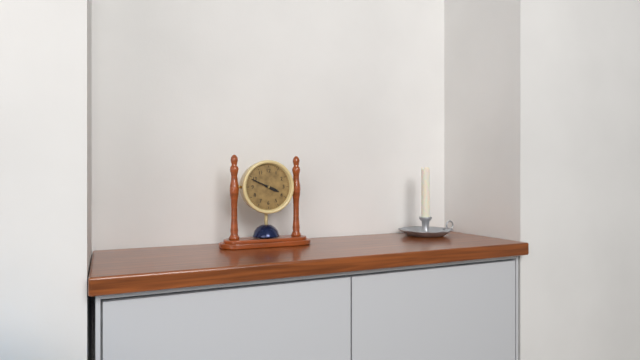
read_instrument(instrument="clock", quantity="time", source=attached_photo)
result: 3:49
